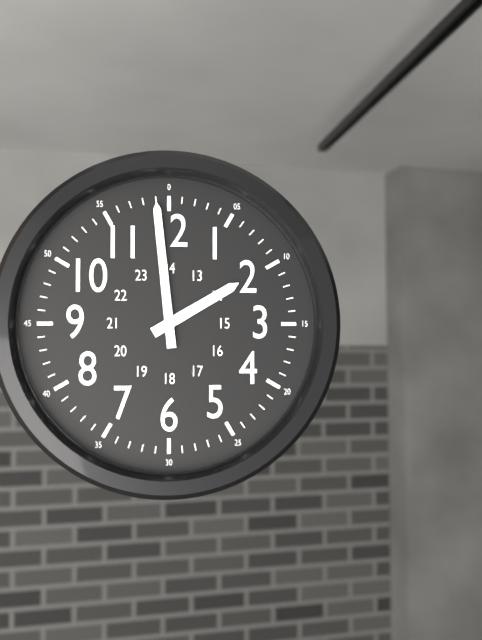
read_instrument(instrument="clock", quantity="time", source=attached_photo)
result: 1:59
